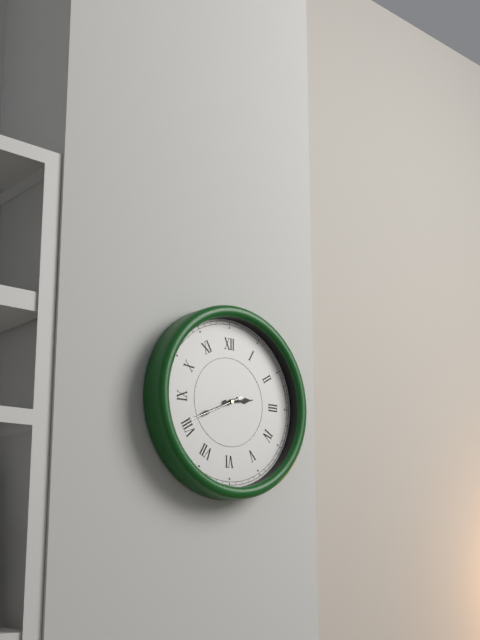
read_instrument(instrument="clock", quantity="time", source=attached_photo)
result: 2:41:41
